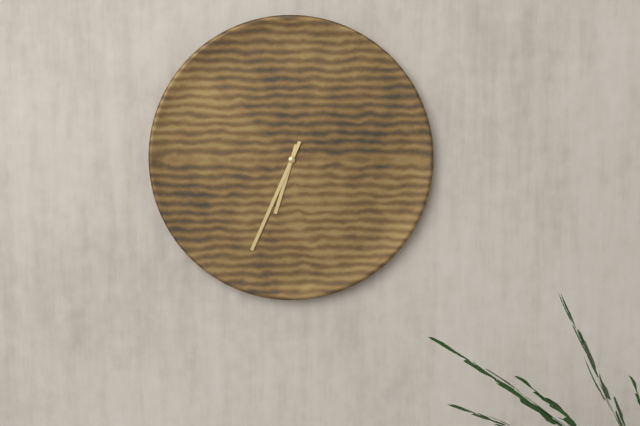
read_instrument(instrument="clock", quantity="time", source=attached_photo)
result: 6:34
